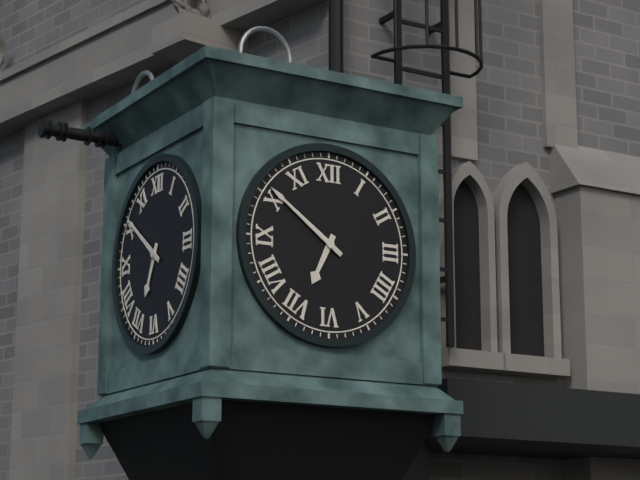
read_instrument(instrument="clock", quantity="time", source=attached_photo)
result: 6:51
